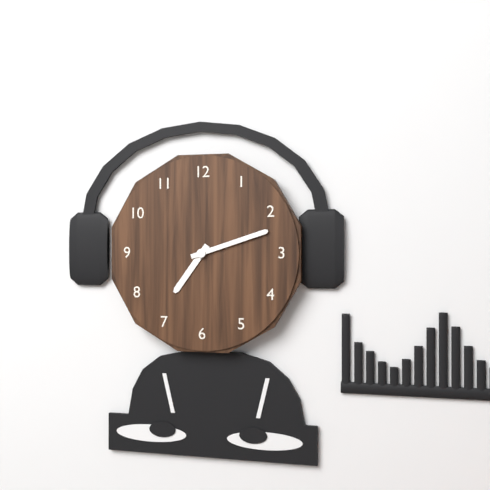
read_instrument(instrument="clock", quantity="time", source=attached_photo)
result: 7:12
